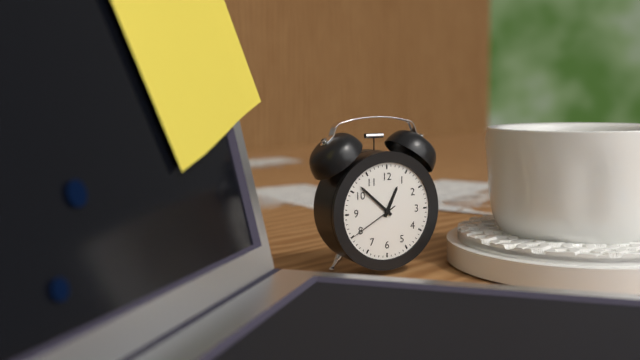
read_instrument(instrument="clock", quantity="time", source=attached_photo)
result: 12:52:40
